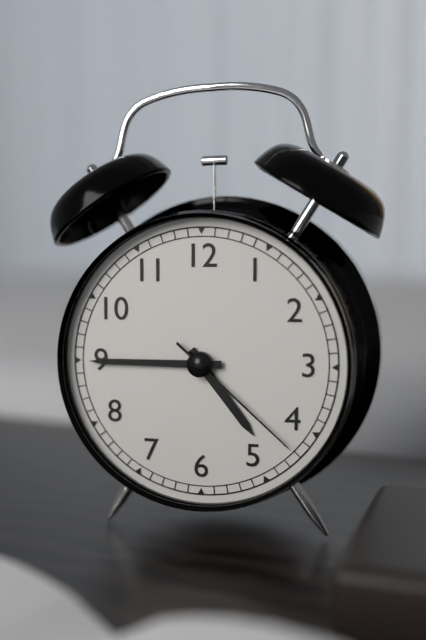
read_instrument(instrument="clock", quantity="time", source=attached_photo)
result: 4:45:22
